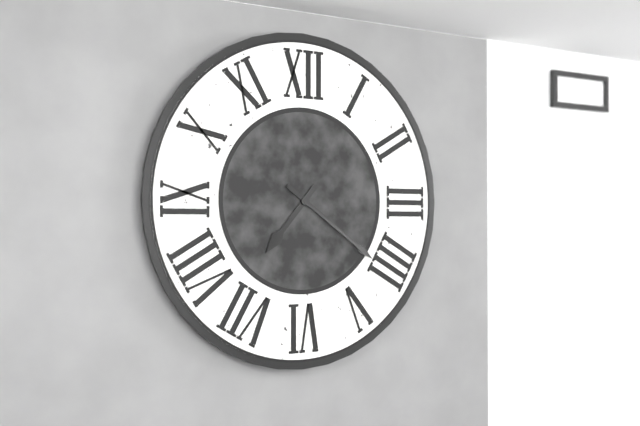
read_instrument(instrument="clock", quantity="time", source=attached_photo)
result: 7:21
